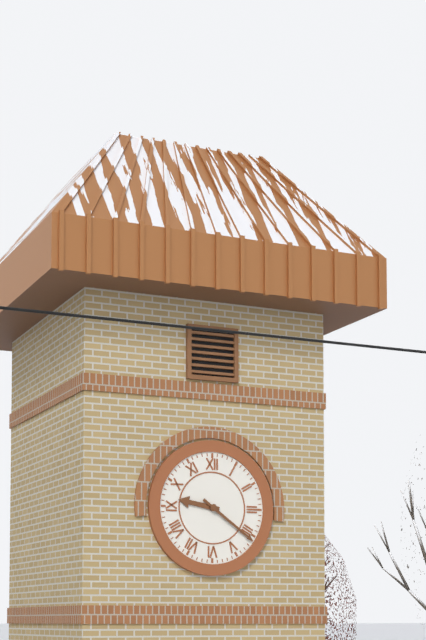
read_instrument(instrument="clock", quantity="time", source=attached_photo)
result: 9:21
